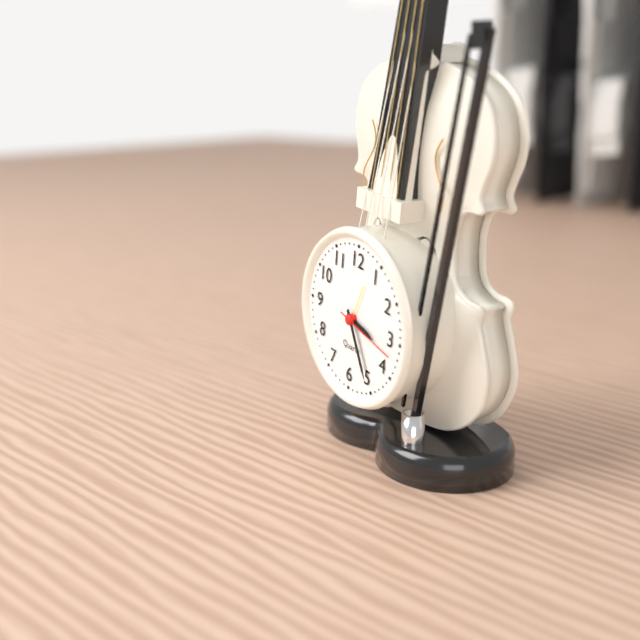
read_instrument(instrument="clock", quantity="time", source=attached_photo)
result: 3:25:17
